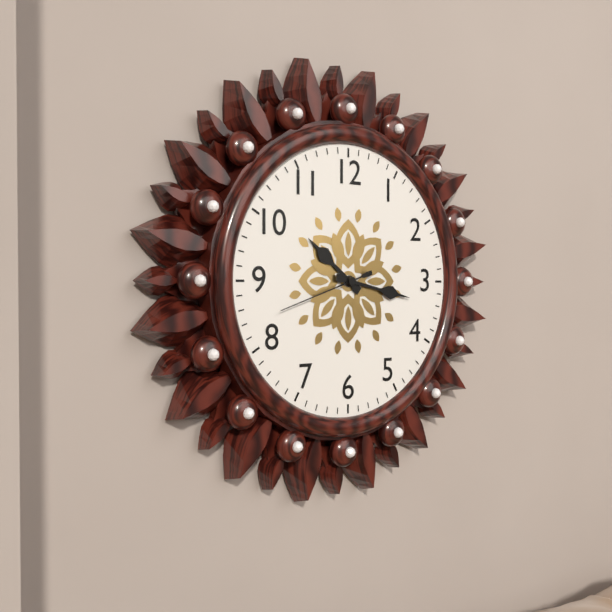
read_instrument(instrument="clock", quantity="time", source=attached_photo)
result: 10:17:42
